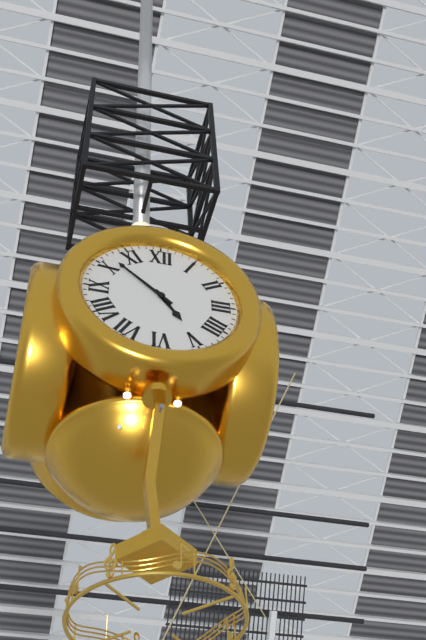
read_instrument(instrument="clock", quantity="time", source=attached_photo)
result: 4:52
